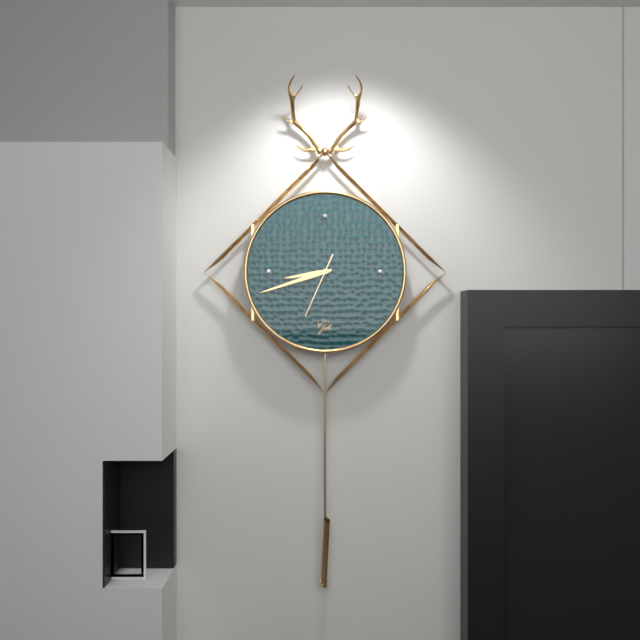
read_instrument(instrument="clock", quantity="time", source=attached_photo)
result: 8:42:34
